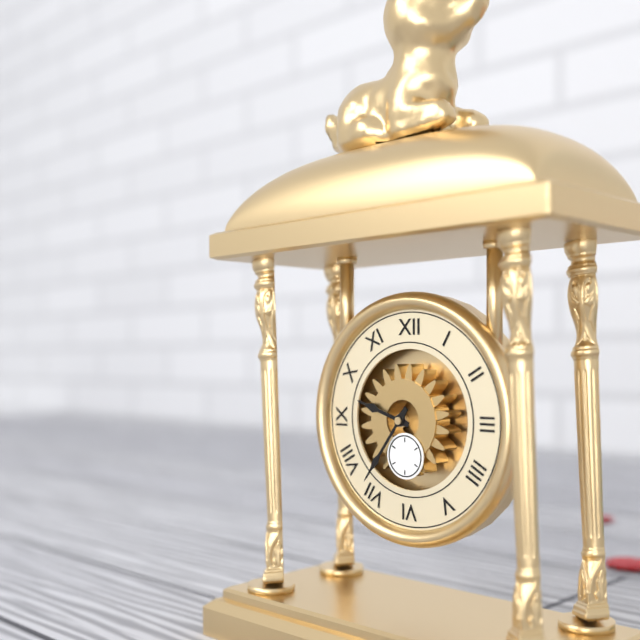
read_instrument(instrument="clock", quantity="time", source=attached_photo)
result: 9:36
